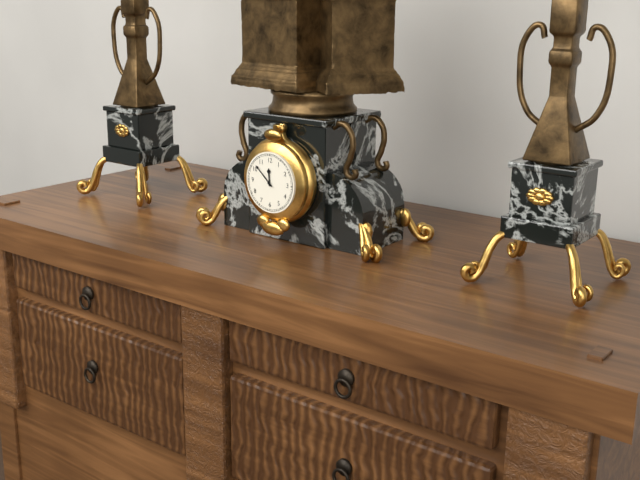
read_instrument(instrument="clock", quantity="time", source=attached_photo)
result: 11:52
